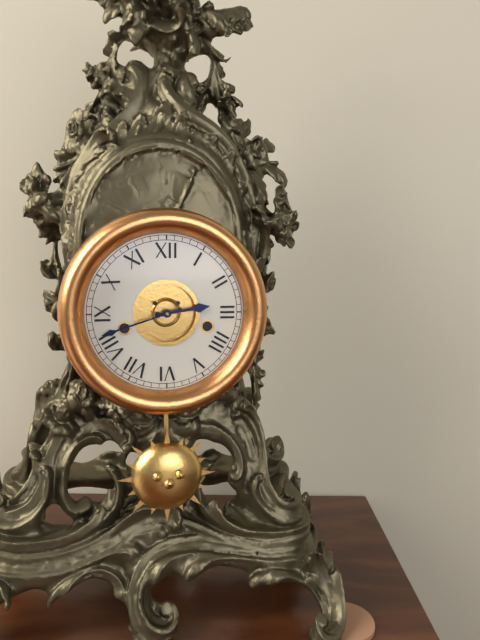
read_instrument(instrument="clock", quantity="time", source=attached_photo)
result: 2:42
